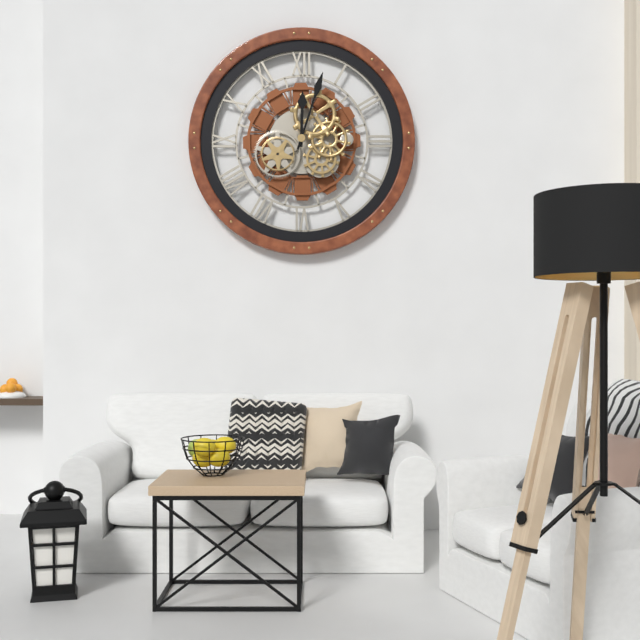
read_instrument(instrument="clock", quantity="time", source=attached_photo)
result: 12:03
